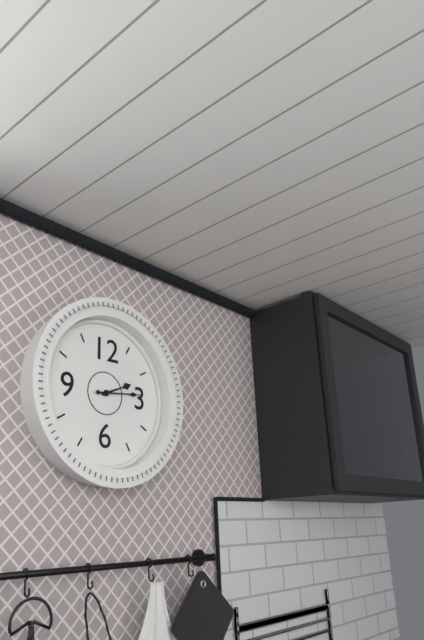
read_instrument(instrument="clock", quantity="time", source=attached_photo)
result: 2:14
